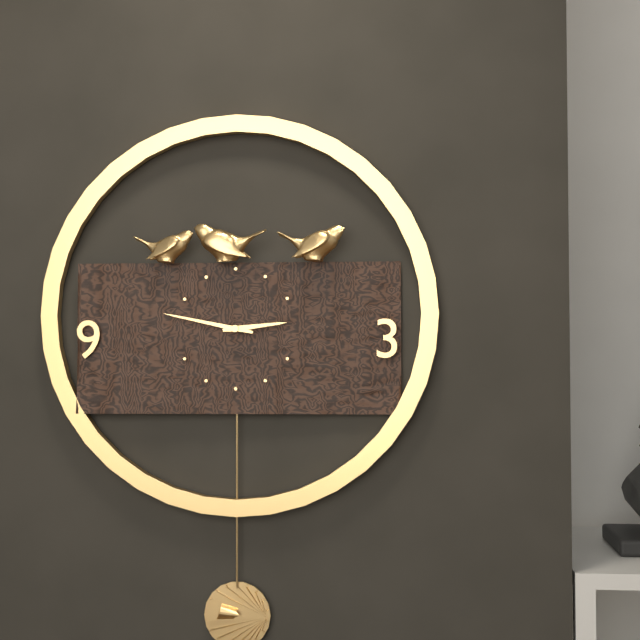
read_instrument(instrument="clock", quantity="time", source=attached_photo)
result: 2:47
